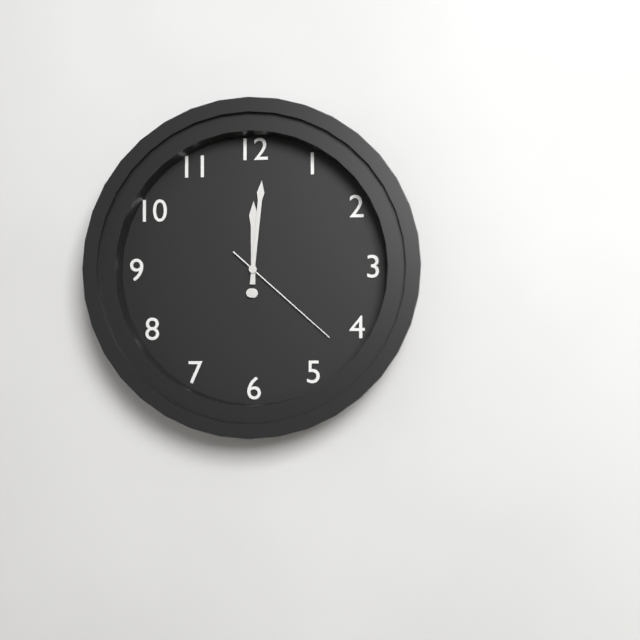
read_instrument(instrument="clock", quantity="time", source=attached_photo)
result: 12:01:22
